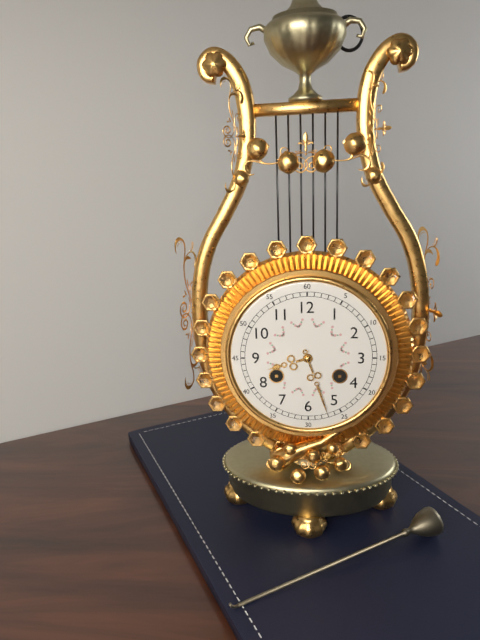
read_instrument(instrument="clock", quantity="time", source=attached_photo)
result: 8:27
